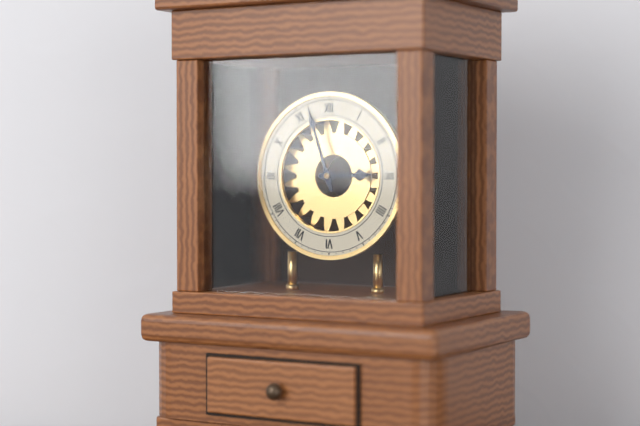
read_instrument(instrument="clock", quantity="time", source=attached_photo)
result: 2:57
